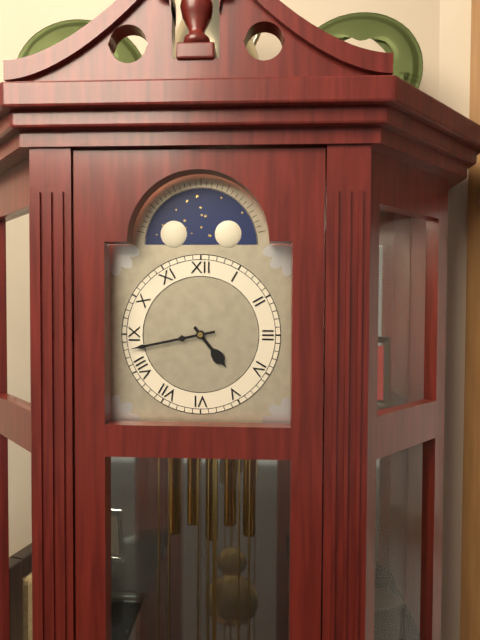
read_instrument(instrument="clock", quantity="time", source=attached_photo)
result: 4:43
